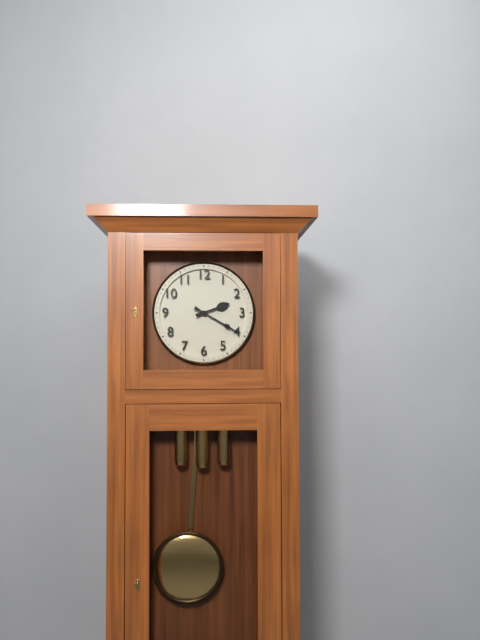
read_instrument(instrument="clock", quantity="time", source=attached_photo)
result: 2:20
